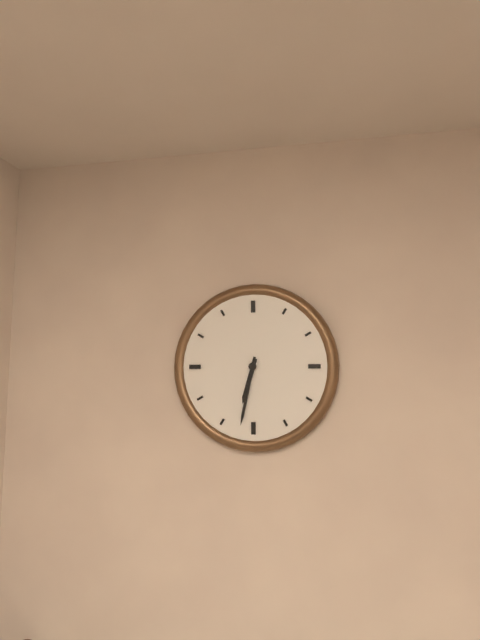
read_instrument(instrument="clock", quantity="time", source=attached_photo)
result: 6:32
